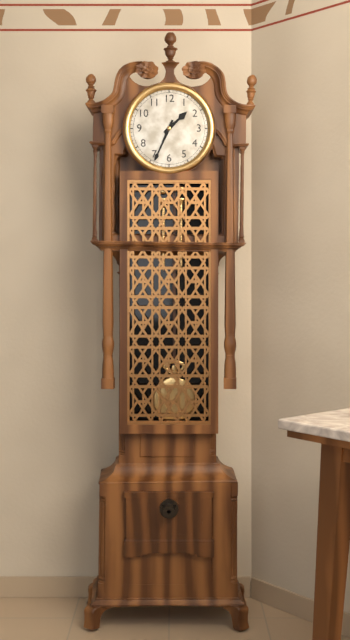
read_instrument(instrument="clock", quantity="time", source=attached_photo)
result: 1:34
